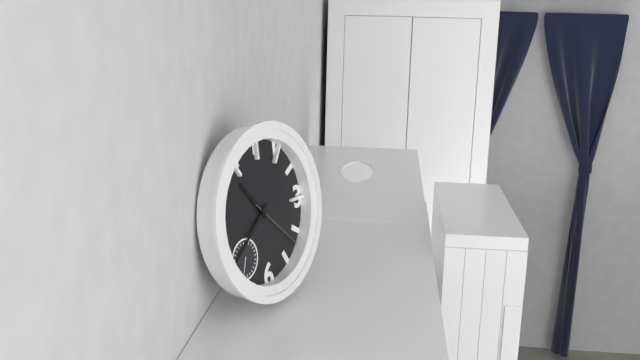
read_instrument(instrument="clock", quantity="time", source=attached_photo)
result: 10:39:22
